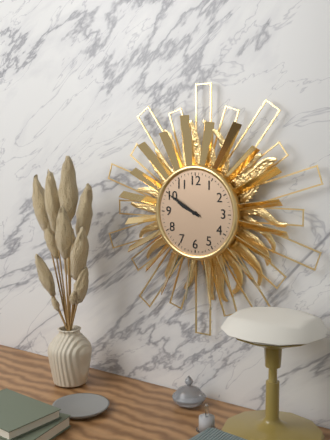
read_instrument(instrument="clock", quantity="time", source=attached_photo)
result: 9:50
